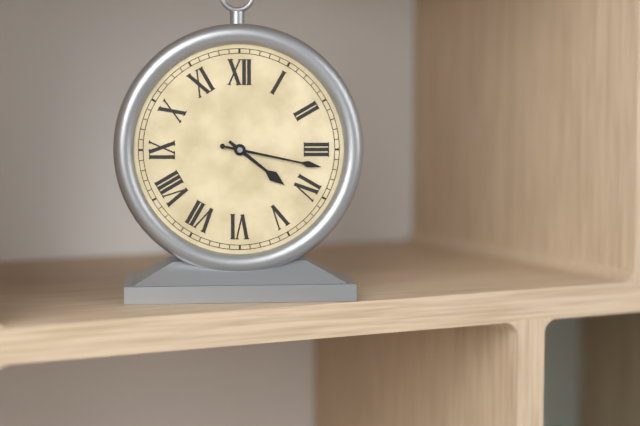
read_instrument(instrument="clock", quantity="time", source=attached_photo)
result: 4:17
